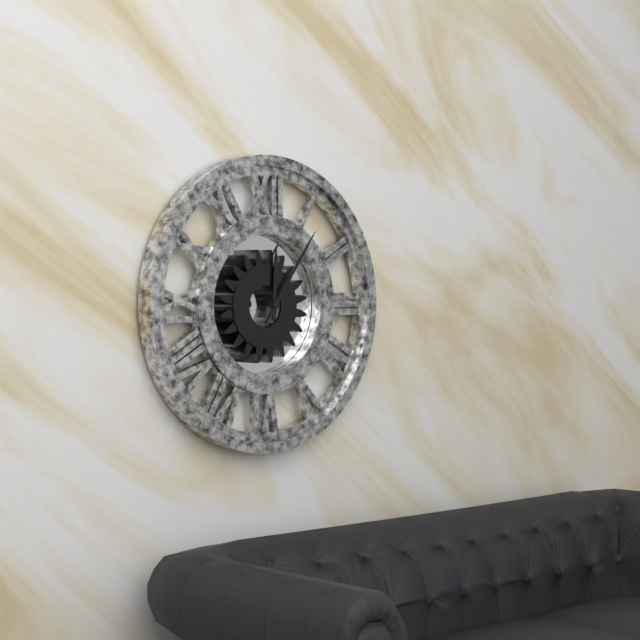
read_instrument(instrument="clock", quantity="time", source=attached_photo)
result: 12:06
